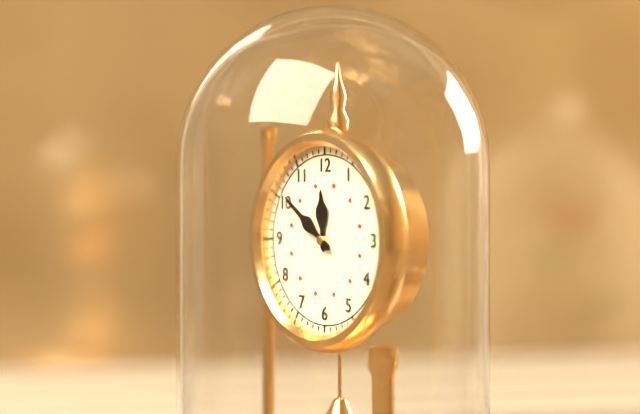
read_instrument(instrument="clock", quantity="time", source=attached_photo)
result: 11:51
